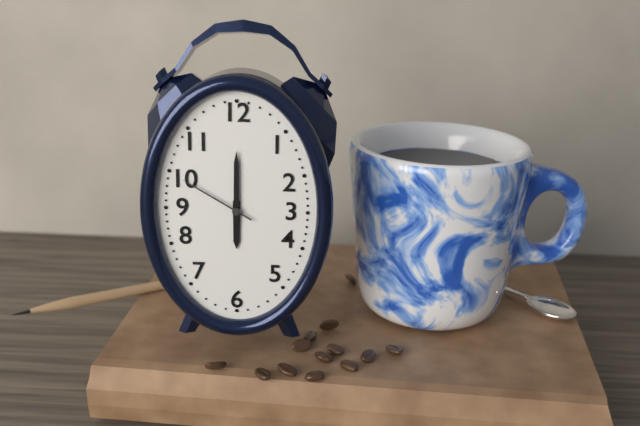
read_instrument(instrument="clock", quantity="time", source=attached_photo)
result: 6:00:50
